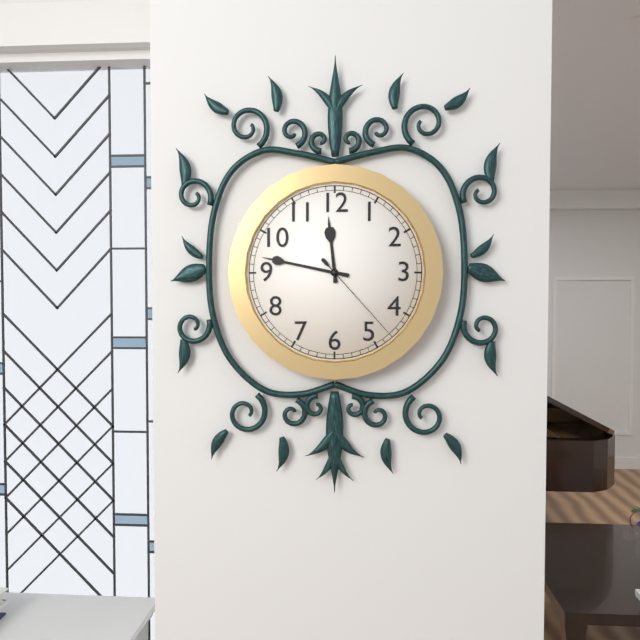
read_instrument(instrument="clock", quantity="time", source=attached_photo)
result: 11:47:23
